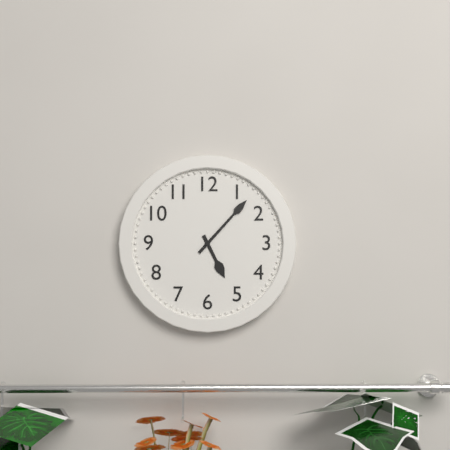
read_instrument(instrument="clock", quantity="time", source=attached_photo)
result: 5:07
